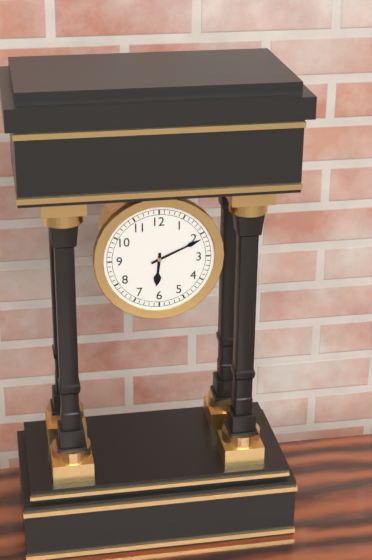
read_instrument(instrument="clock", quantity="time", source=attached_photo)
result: 6:11
